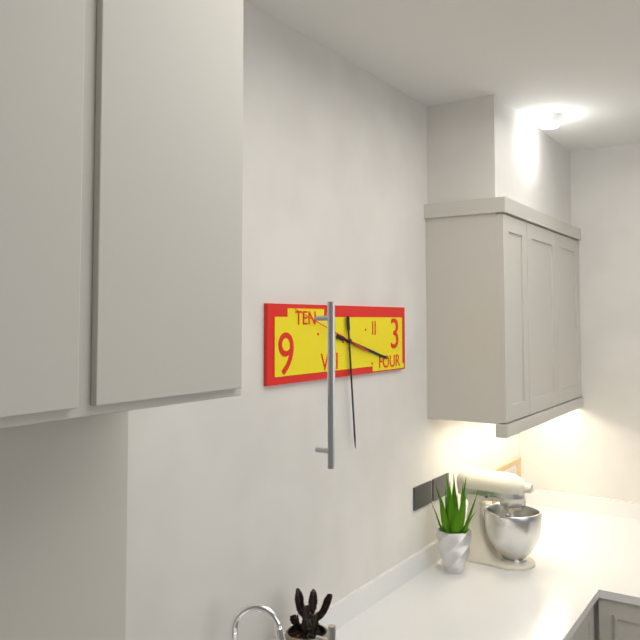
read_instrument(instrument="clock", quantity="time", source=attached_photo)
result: 3:29:48
